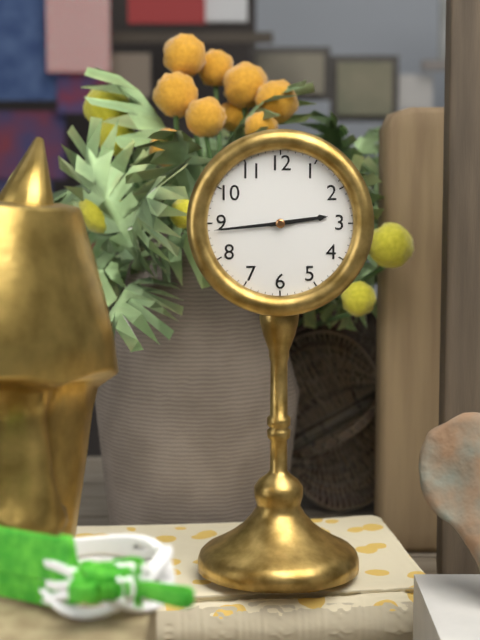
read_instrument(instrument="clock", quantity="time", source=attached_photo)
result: 2:44
